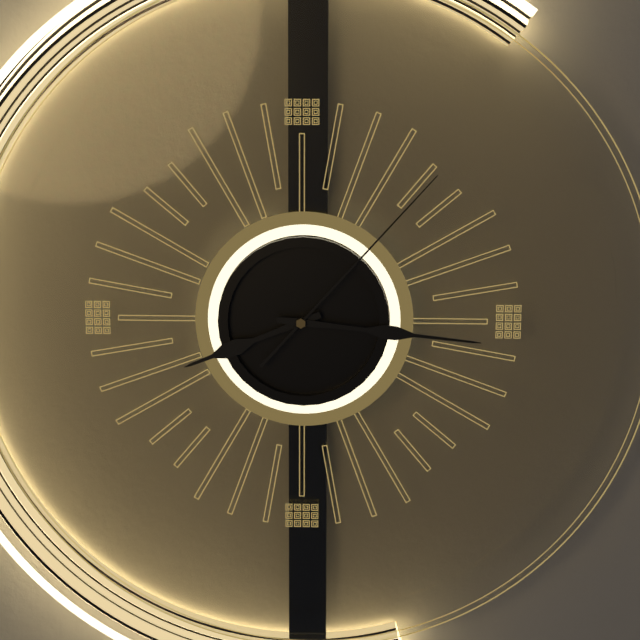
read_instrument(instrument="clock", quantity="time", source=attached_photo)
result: 8:16:07
